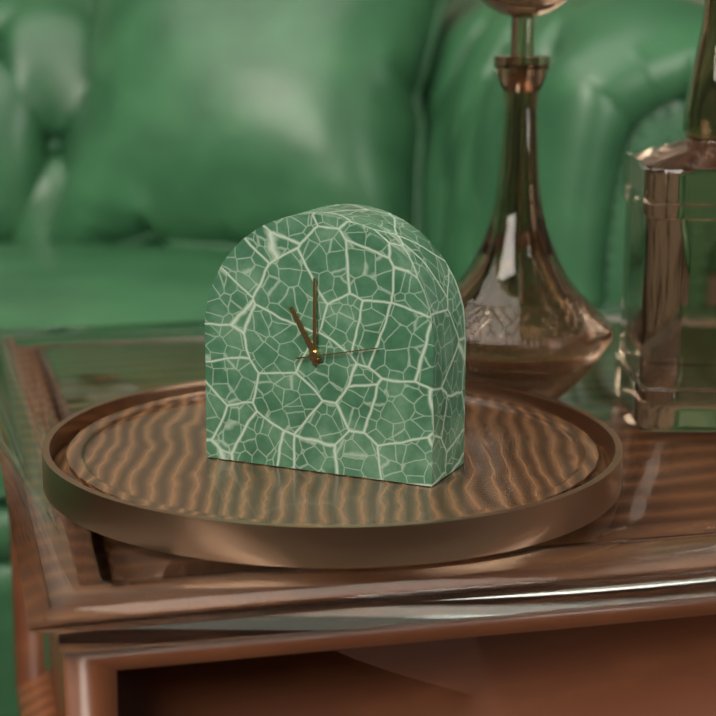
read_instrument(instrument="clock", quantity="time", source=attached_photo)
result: 11:00:13
